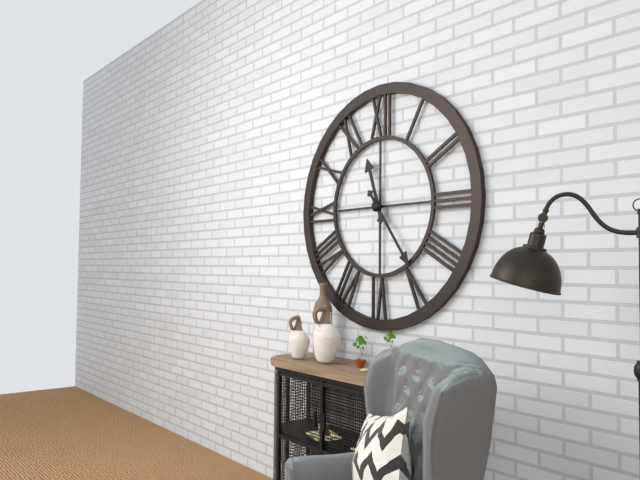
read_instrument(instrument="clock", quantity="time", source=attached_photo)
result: 11:24
